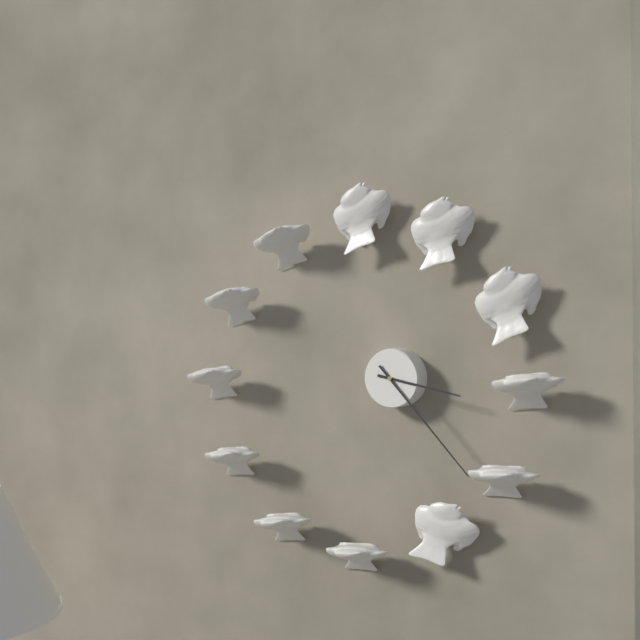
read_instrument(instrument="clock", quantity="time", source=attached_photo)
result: 3:23
